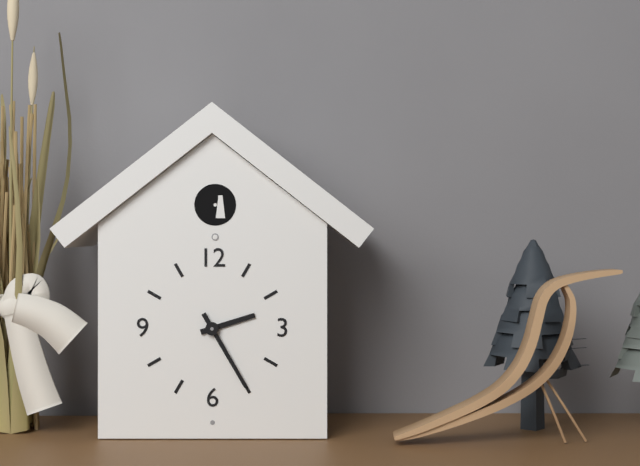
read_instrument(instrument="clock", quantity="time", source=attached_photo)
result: 2:25
